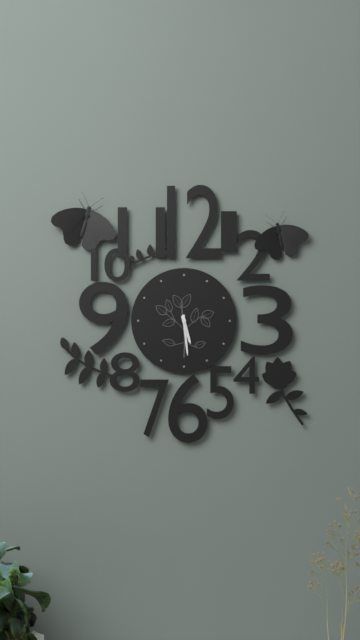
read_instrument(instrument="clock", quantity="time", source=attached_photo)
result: 5:29
